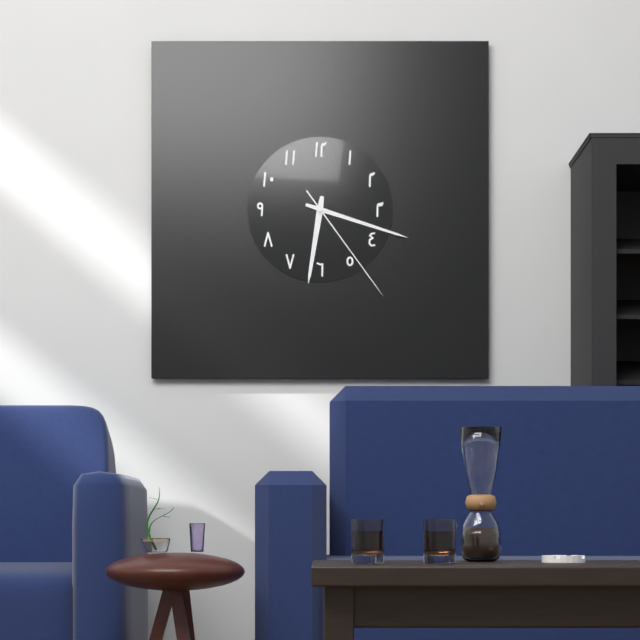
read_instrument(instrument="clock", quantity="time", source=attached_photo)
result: 6:18:24
